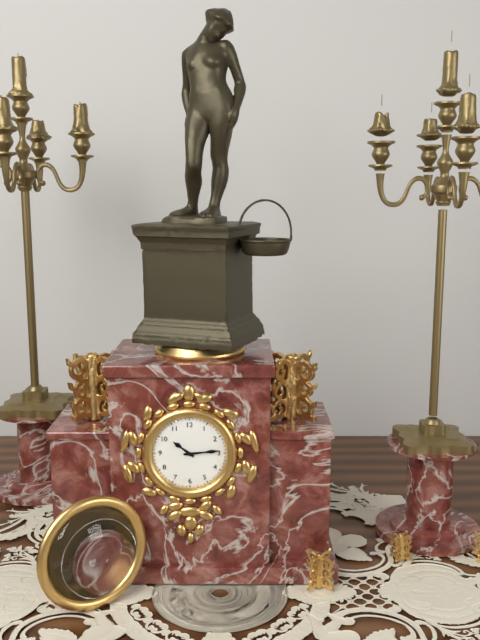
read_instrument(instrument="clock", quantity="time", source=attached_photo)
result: 10:14
